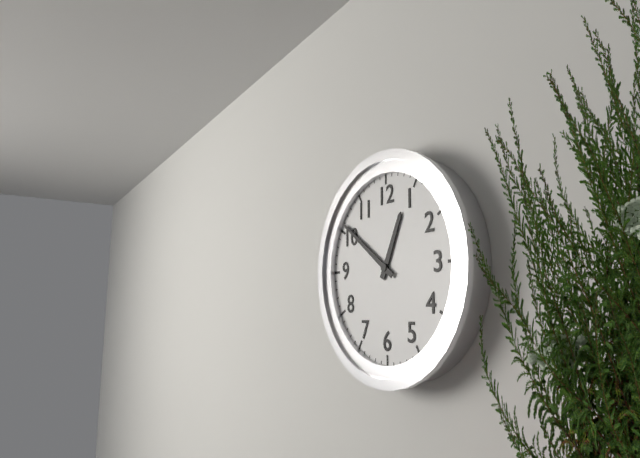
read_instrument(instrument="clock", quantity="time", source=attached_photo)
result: 12:51
